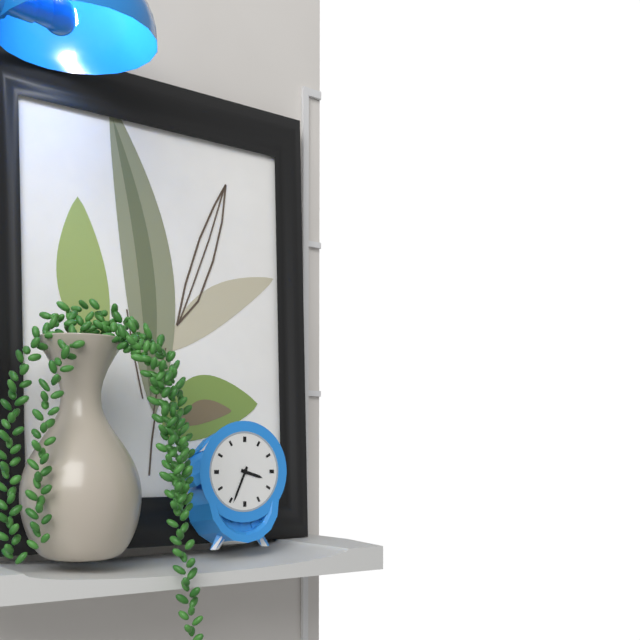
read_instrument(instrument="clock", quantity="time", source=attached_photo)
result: 3:34
